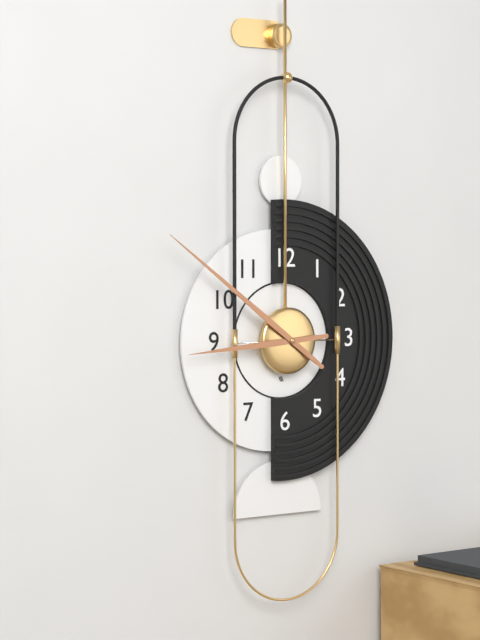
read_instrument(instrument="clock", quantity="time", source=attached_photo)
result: 8:51
